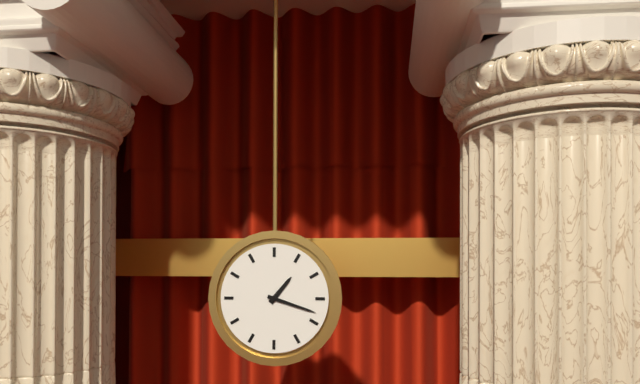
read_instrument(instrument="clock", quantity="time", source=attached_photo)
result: 1:18
